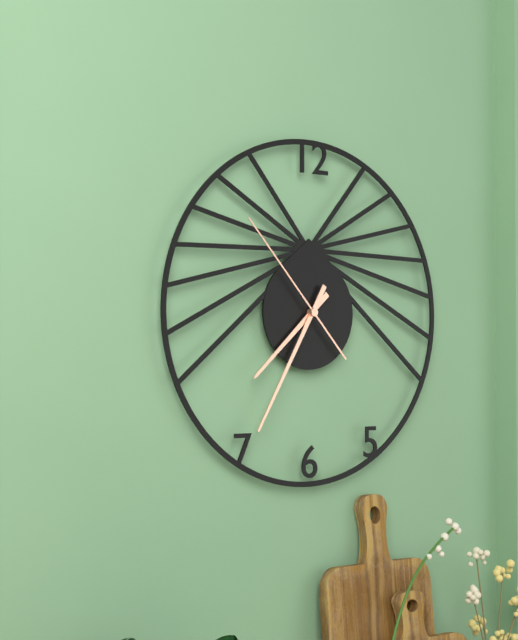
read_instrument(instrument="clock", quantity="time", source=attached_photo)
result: 7:35:53
